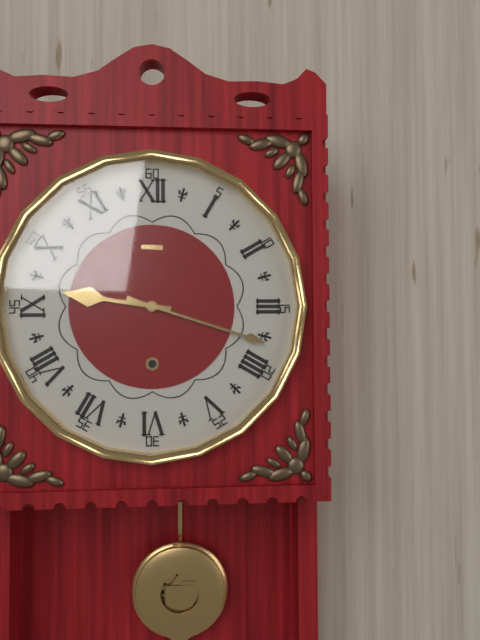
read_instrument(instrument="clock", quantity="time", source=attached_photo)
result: 9:18
